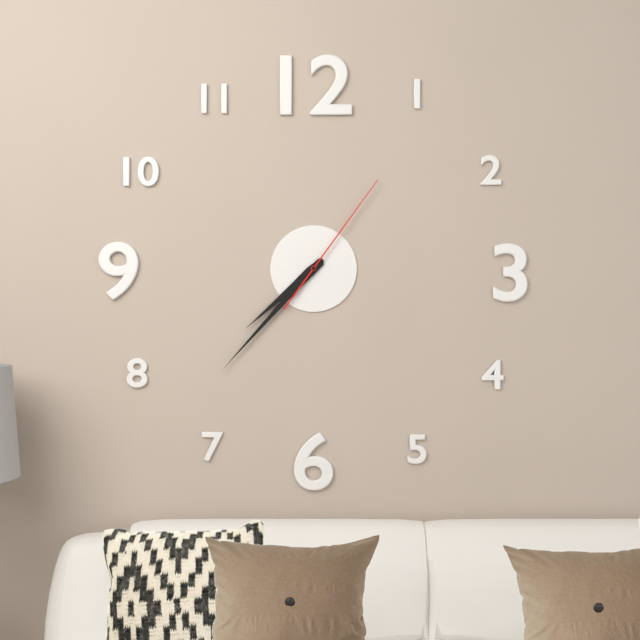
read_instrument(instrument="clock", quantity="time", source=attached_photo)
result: 7:37:06
